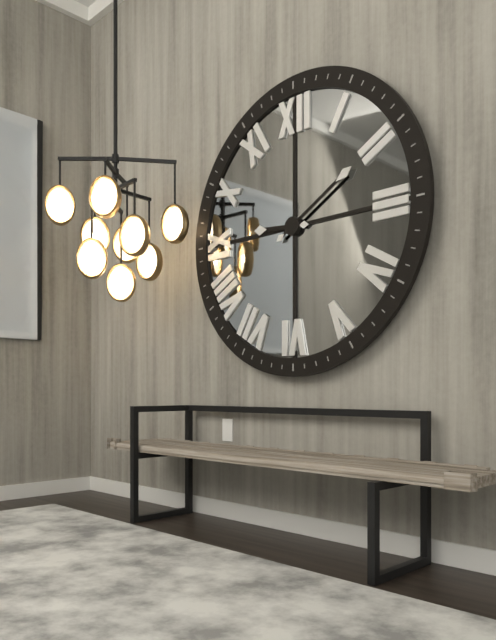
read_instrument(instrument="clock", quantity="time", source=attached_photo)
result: 9:10
